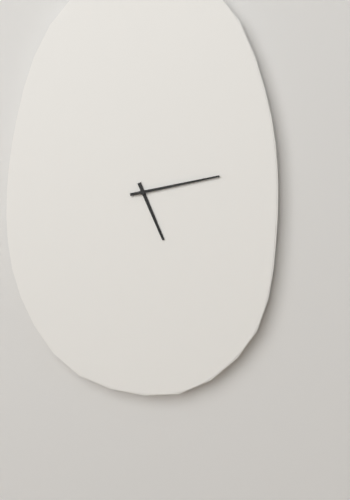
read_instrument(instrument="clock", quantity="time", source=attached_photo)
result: 5:13
